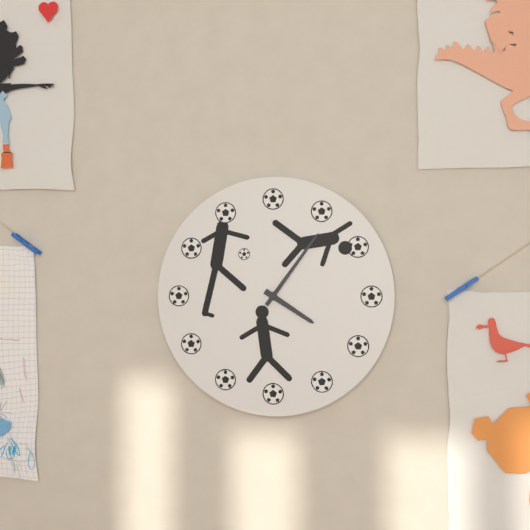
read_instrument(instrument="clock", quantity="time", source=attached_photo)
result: 4:06
